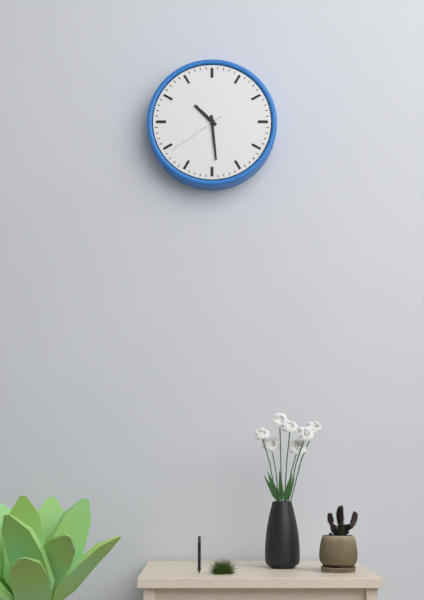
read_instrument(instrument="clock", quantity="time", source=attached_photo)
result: 10:29:39
